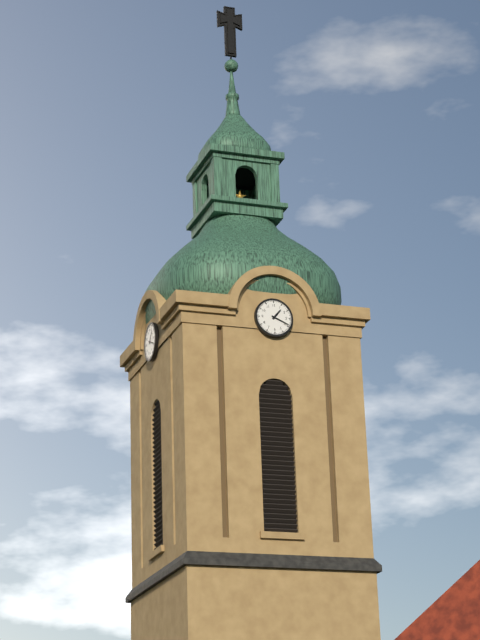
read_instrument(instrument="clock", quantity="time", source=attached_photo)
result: 1:19
